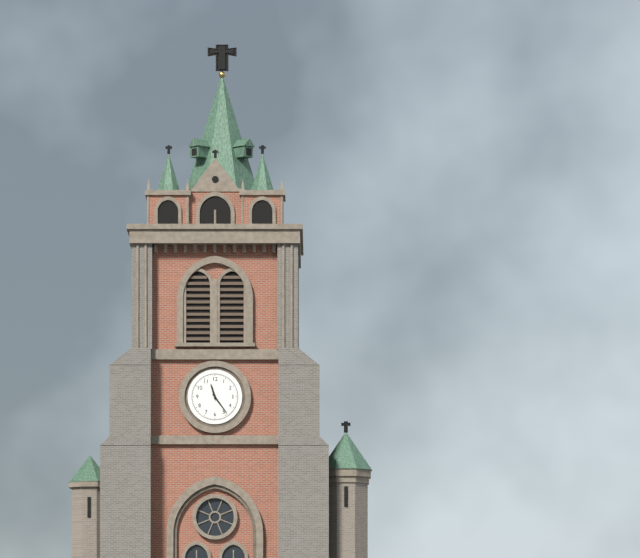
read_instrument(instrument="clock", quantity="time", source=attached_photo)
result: 11:24
